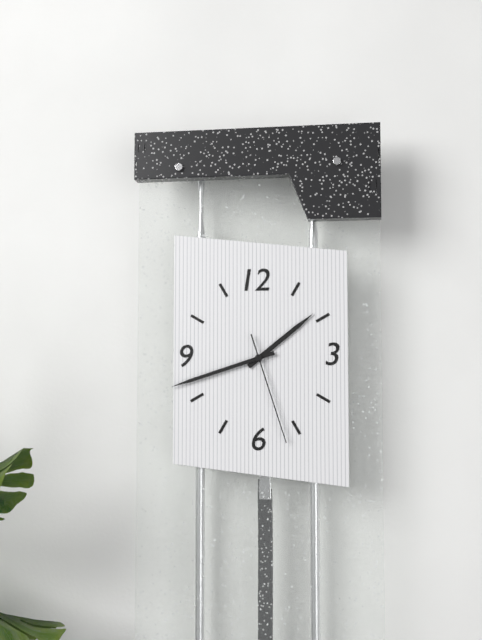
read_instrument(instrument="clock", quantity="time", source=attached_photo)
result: 1:42:27
